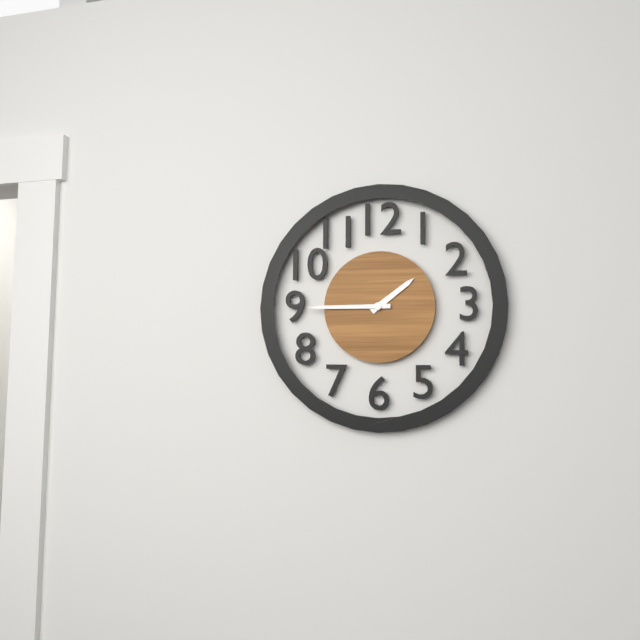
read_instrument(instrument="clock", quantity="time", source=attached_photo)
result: 1:45
